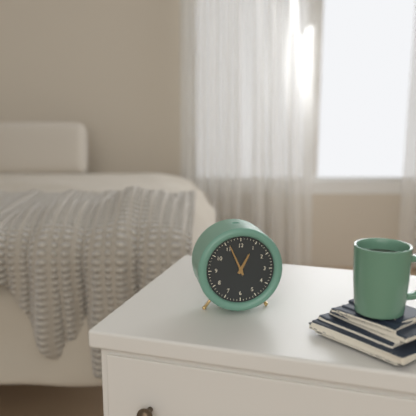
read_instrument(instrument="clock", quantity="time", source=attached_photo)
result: 12:56
